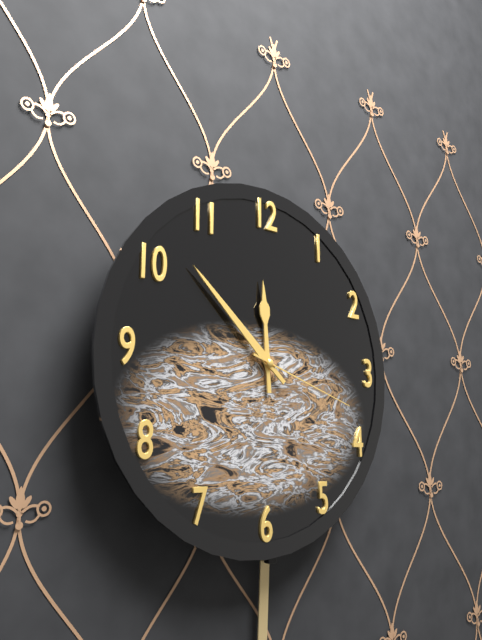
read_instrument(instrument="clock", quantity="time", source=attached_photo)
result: 11:52:18
